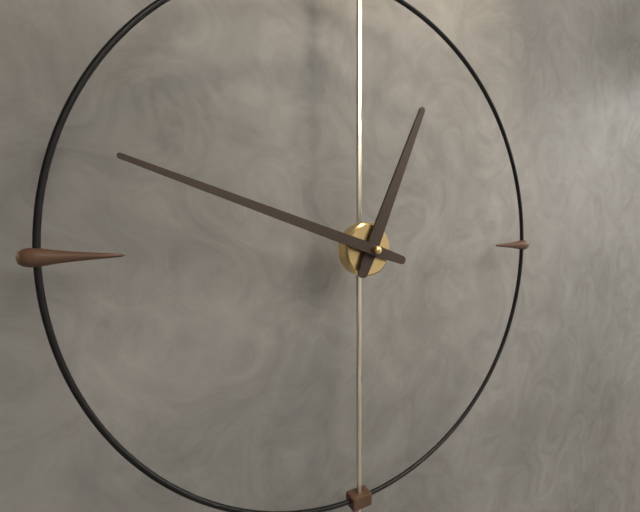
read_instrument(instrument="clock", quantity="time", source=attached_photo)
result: 12:48
